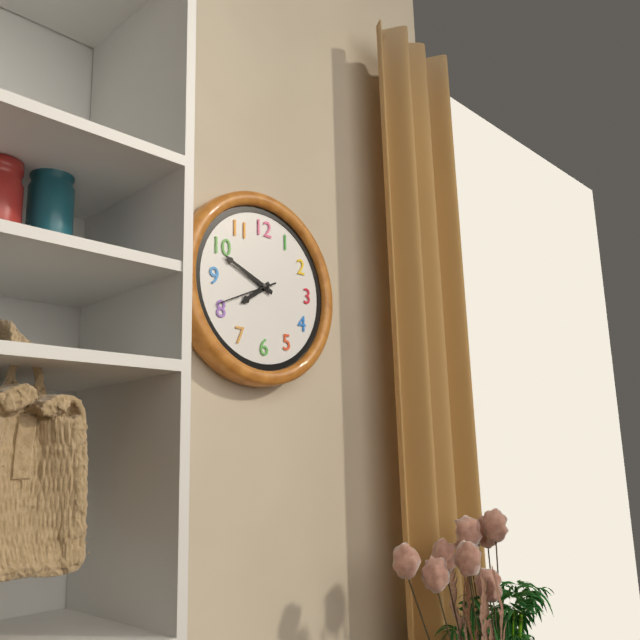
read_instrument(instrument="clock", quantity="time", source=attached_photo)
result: 7:49
